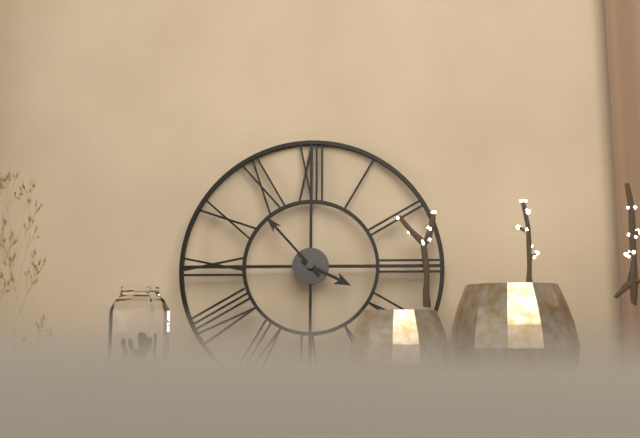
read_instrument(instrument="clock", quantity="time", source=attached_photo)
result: 3:53
